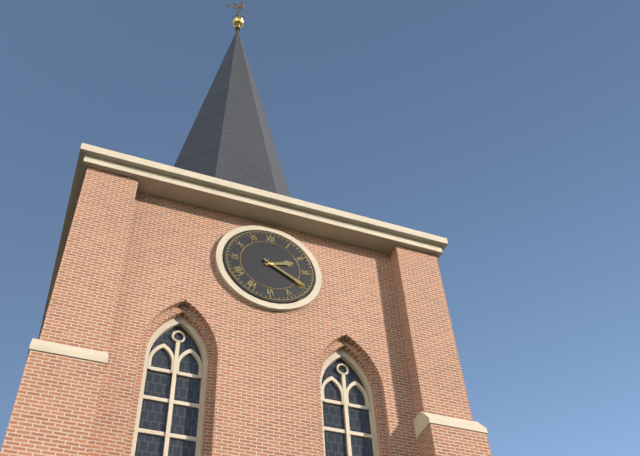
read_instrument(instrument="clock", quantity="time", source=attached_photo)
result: 2:20
